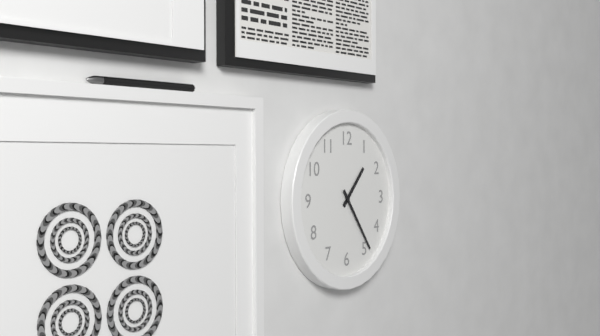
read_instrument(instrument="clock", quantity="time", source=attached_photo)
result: 1:24
